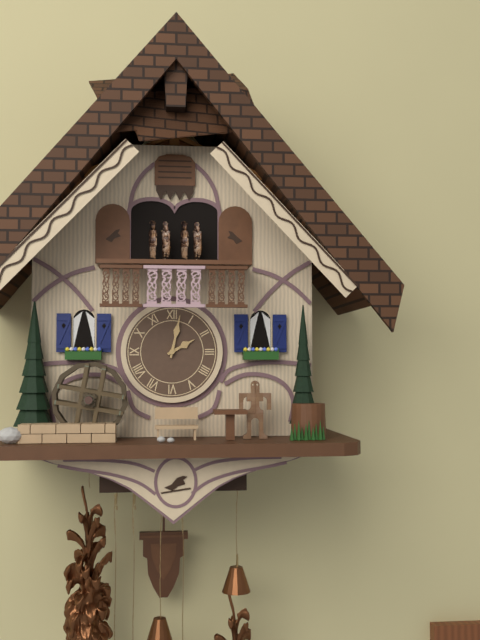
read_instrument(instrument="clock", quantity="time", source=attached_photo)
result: 2:02
